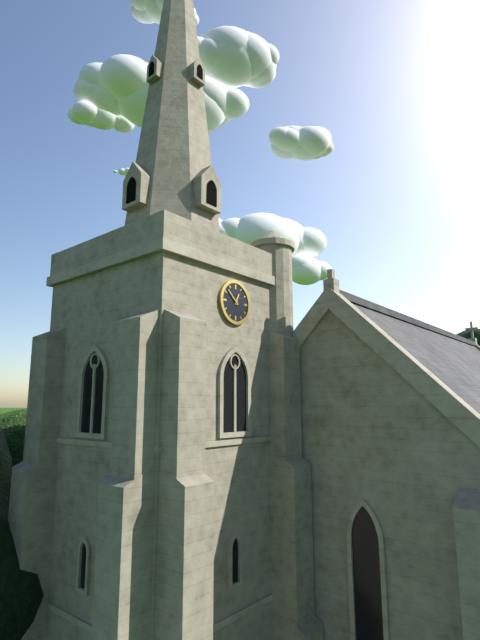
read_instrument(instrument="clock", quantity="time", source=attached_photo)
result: 12:52
